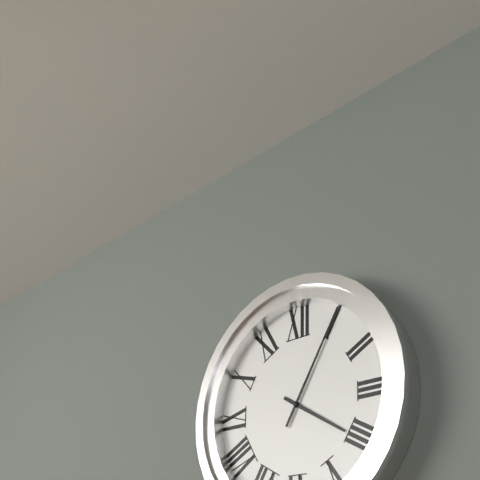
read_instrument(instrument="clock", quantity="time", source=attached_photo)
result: 4:05
